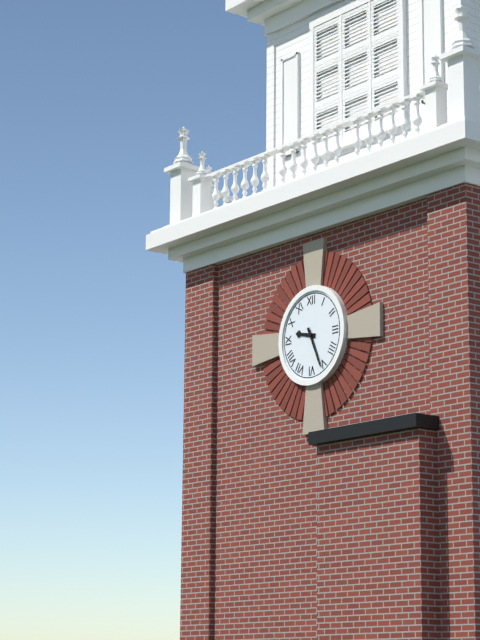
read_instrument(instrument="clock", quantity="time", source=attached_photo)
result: 9:26
